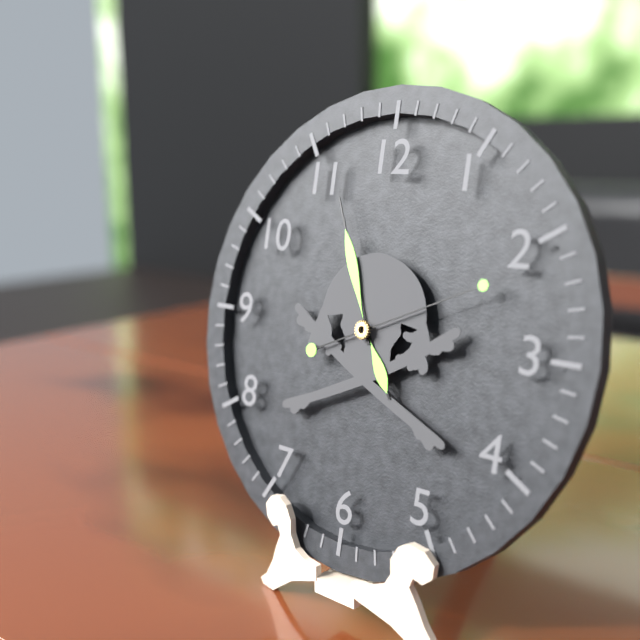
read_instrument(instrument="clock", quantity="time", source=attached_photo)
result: 4:56:11
